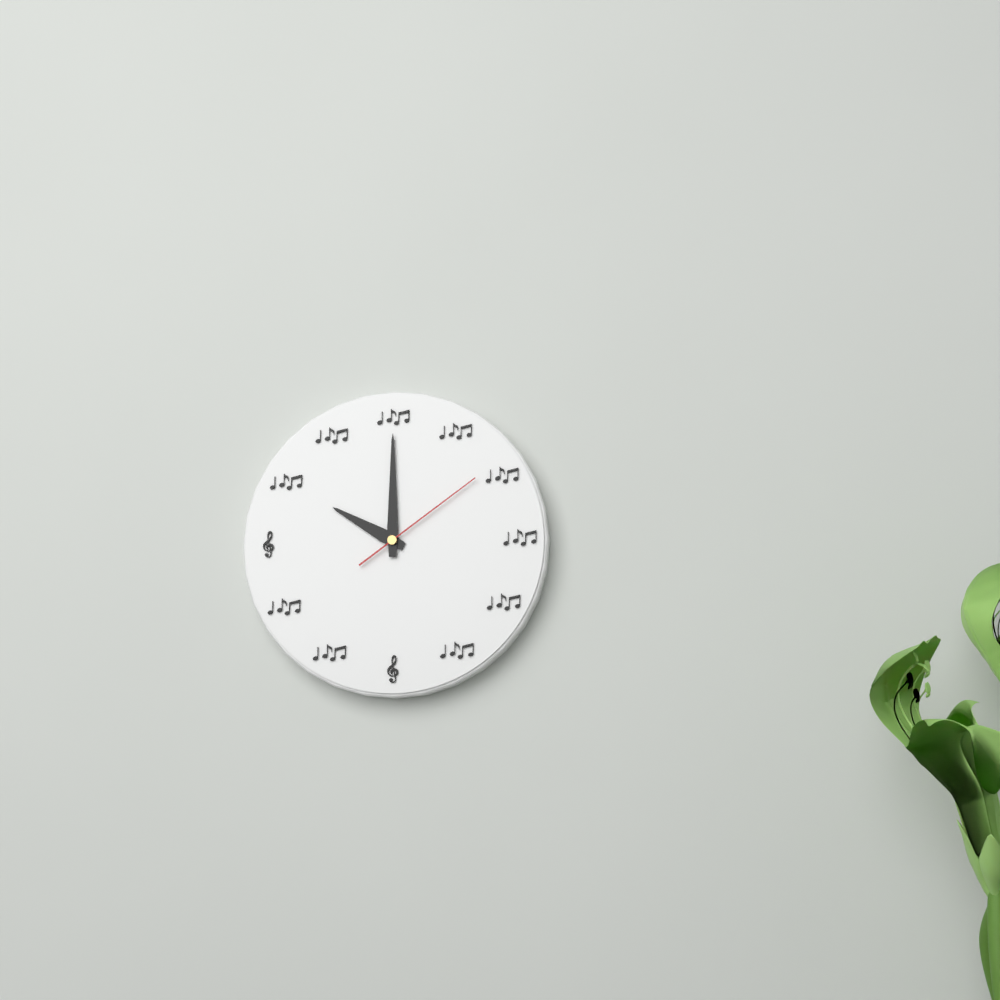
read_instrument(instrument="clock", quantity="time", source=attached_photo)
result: 10:00:09
